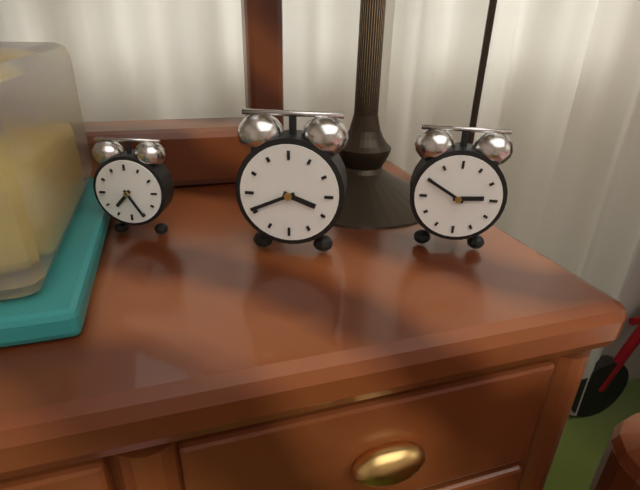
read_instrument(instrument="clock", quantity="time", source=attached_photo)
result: 3:41
